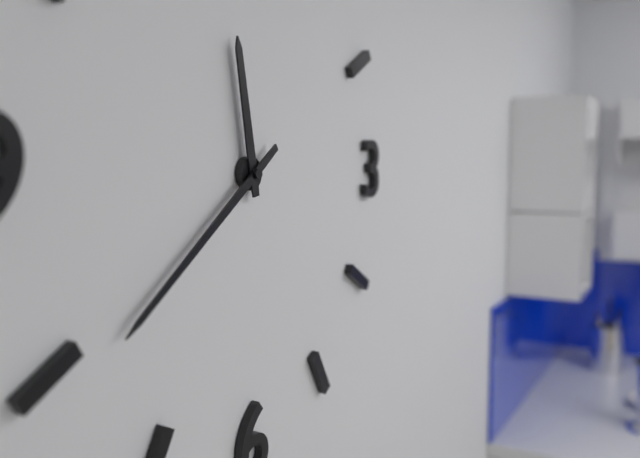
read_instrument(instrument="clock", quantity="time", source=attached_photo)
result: 11:39
